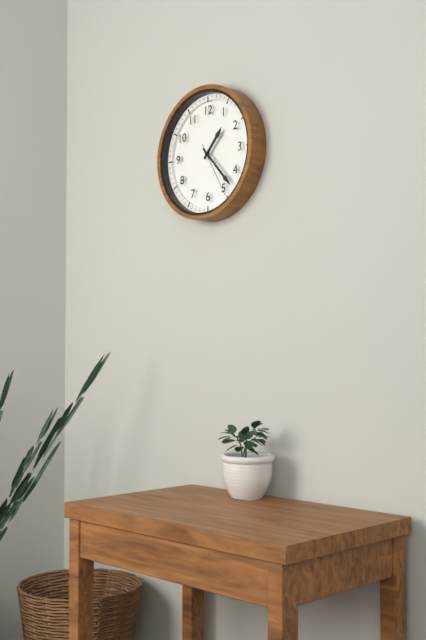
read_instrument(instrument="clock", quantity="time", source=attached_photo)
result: 1:23:25
